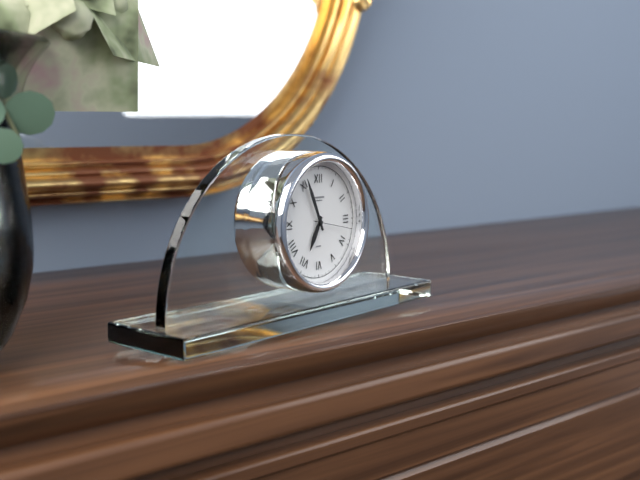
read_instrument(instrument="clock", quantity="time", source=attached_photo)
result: 6:56
